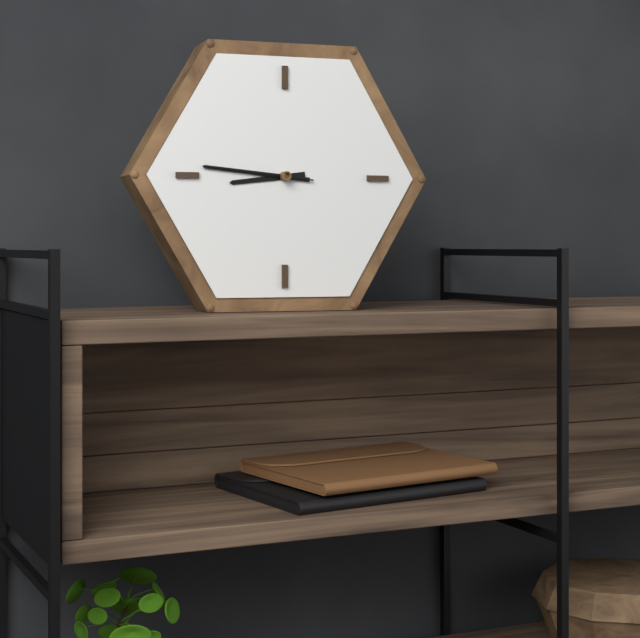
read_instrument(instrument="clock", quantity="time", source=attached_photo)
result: 8:46:46
